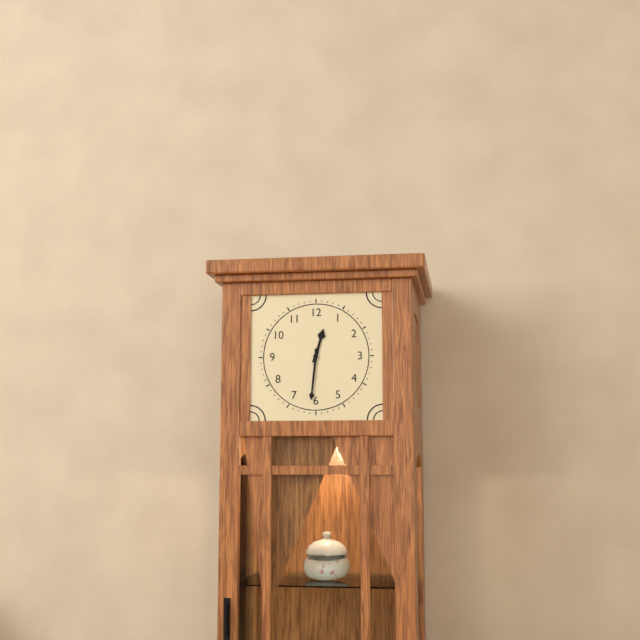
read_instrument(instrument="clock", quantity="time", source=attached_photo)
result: 12:31
